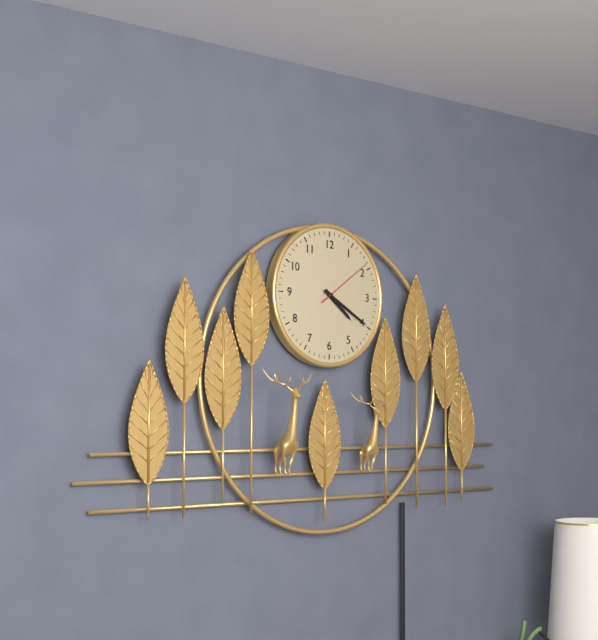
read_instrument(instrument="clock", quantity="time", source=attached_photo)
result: 4:20:09
